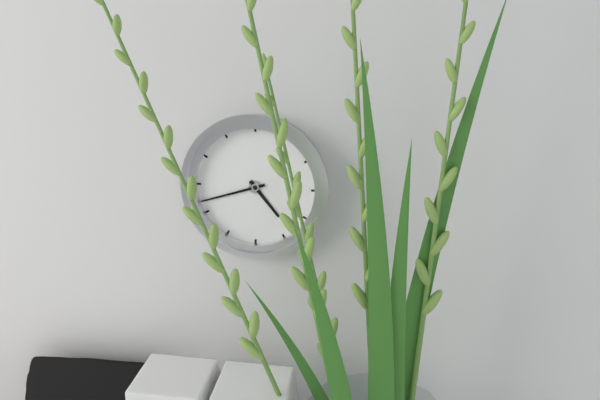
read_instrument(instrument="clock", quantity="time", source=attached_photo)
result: 4:42
